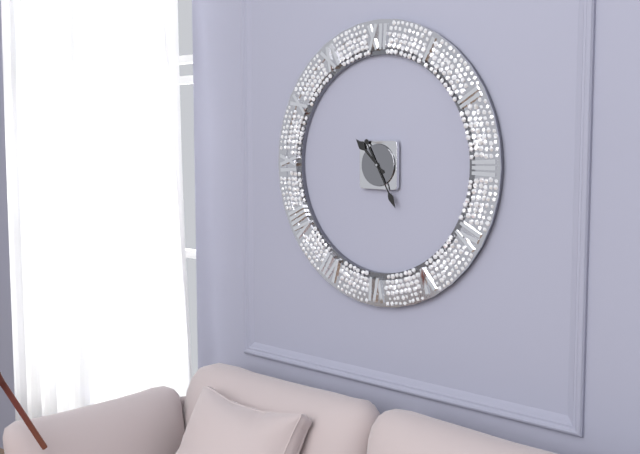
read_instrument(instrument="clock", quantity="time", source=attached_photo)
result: 10:25
